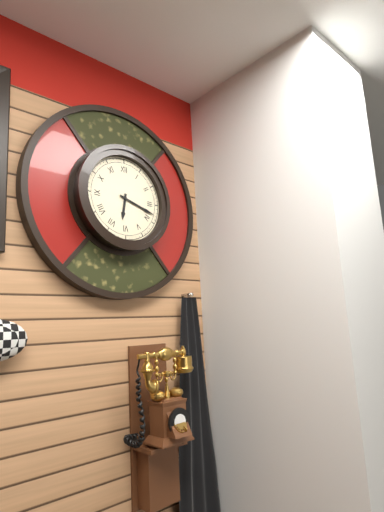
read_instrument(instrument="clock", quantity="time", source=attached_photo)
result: 6:18
